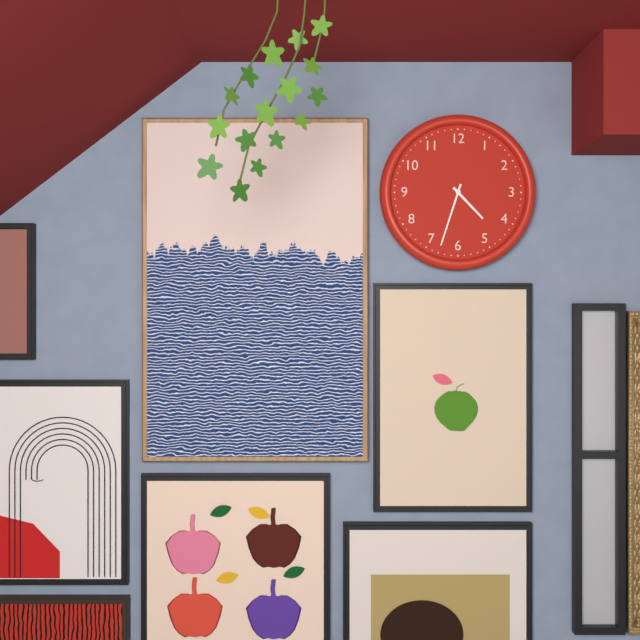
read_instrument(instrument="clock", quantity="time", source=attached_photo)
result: 4:33
